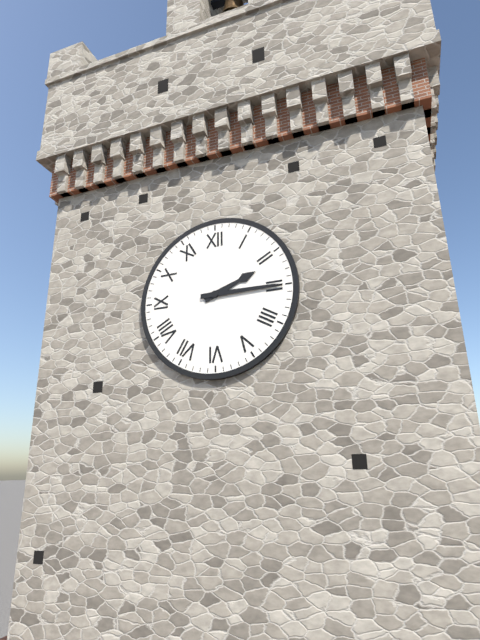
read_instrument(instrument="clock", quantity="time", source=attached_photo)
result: 2:15
